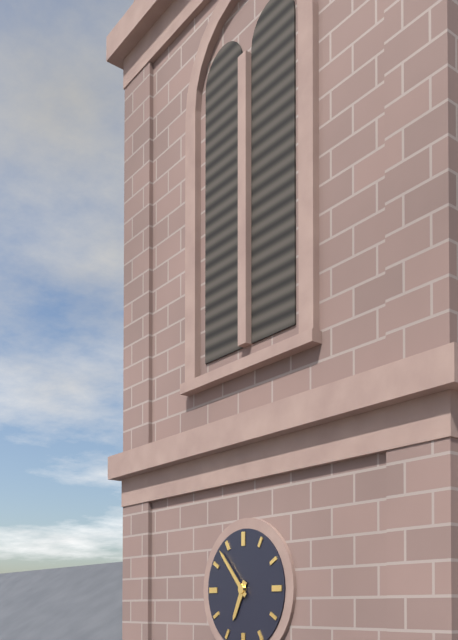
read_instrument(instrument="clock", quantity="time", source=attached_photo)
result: 6:53
